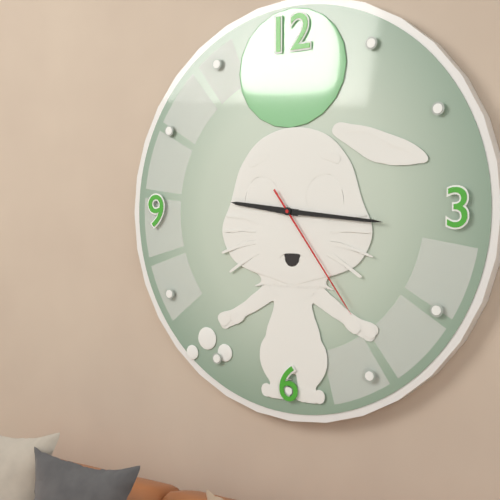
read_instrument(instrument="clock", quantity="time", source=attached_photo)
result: 9:16:24
